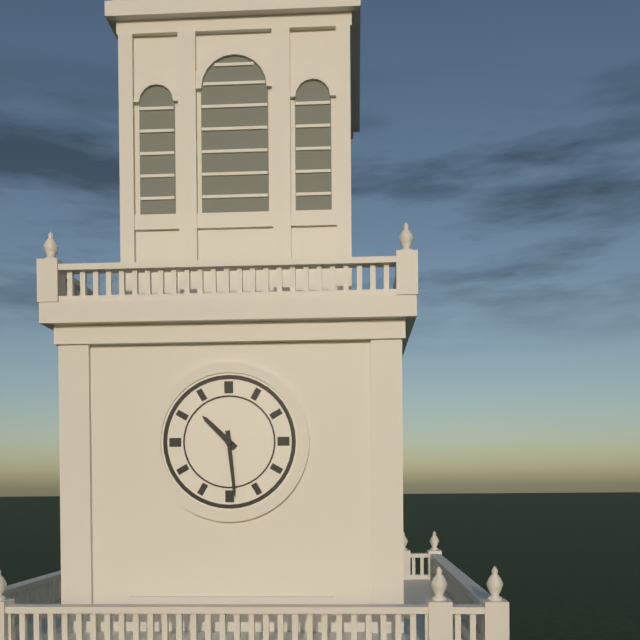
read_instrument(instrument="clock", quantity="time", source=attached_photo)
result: 10:29
